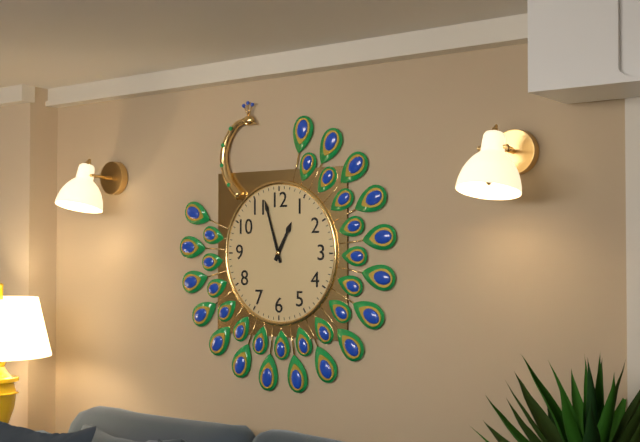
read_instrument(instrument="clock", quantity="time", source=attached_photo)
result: 12:57
